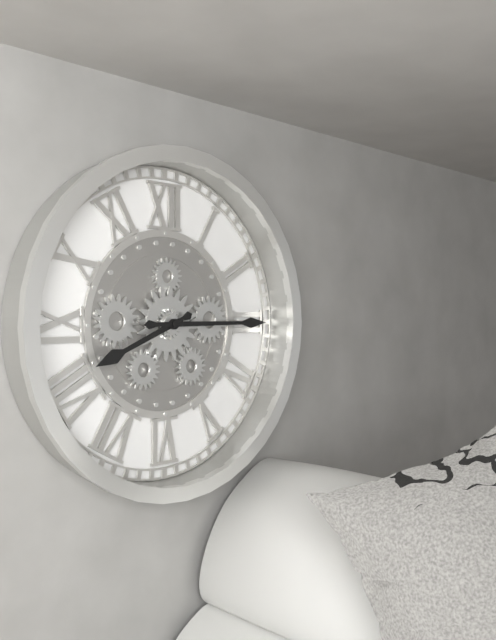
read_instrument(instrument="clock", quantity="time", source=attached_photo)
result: 8:15
